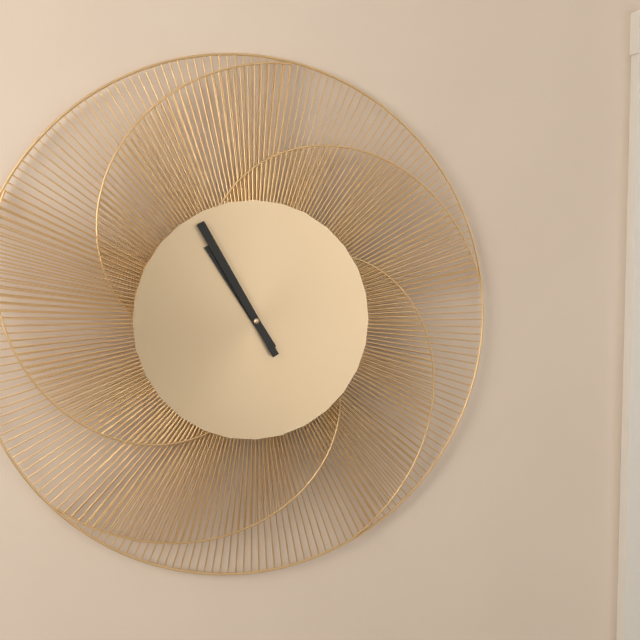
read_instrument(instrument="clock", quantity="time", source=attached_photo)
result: 10:55
